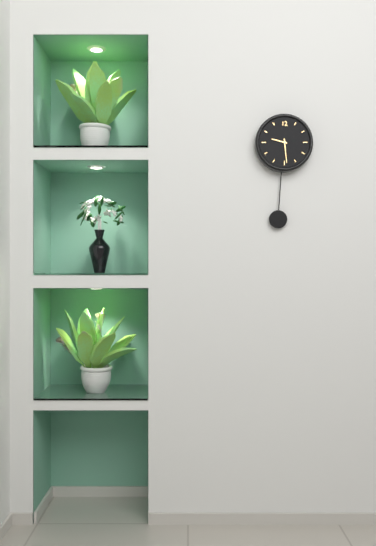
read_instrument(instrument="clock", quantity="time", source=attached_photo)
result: 9:29
